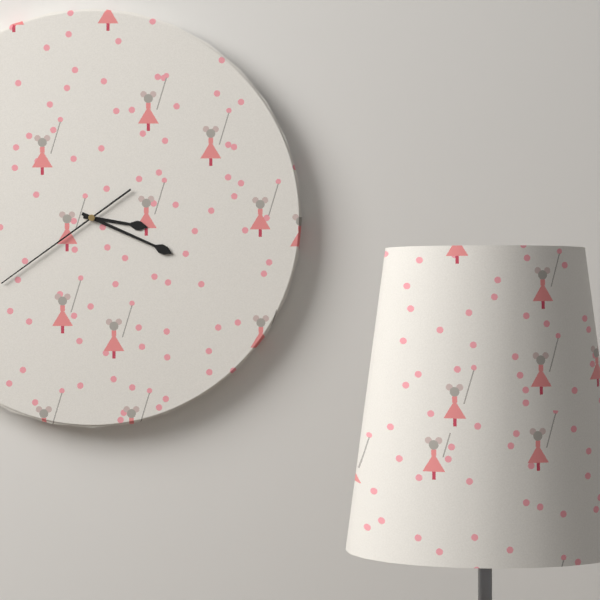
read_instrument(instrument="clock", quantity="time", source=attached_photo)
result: 3:19:39
